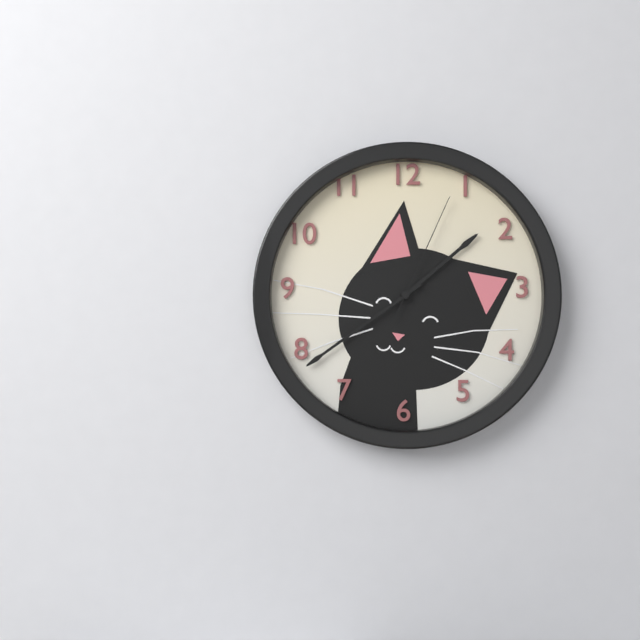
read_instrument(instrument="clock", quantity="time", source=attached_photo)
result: 1:39:04
